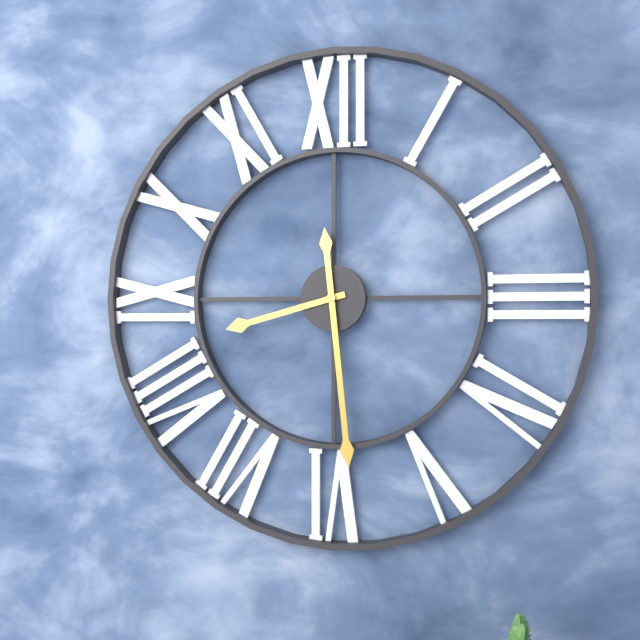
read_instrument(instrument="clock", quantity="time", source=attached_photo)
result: 8:29
